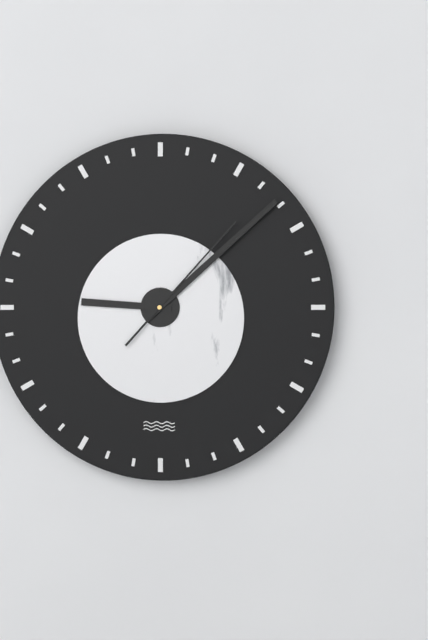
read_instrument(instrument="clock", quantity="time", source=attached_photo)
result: 9:08:07
